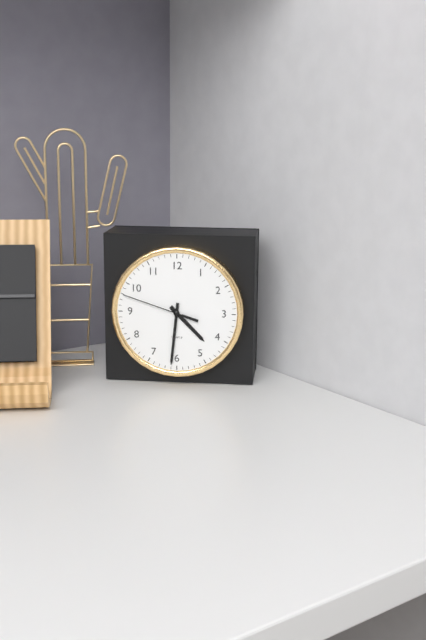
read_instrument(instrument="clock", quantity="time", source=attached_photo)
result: 4:31:48
